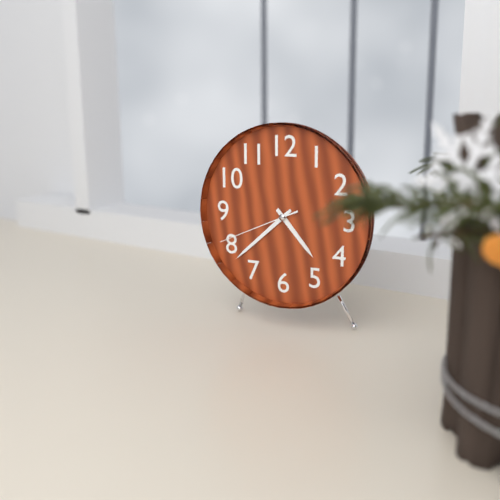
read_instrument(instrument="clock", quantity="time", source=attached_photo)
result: 4:38:41
